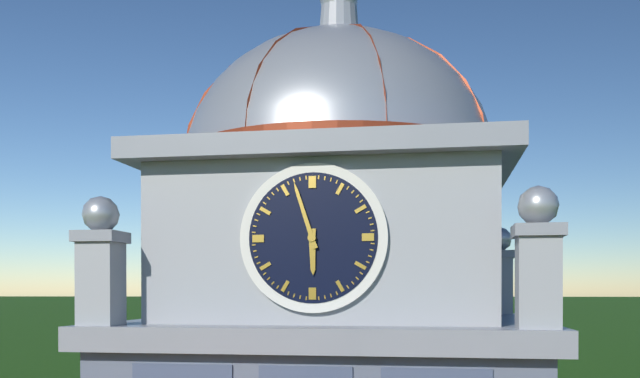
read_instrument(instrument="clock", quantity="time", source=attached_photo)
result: 5:57
